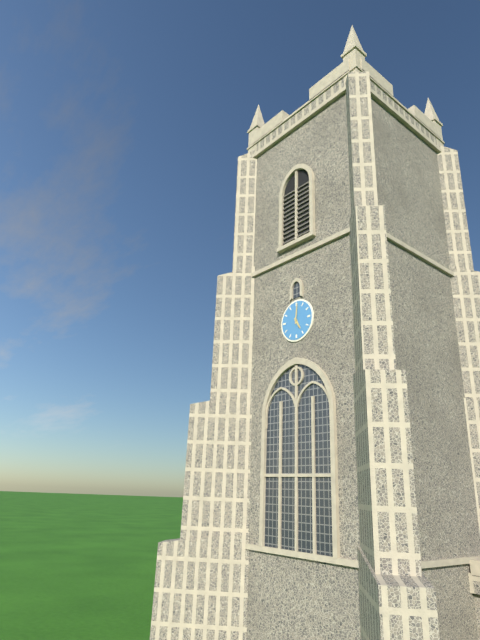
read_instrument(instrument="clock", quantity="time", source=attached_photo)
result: 5:01
